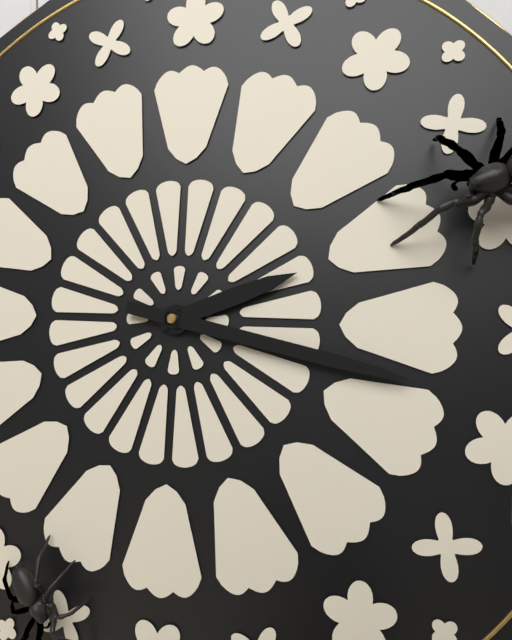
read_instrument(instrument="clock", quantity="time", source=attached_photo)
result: 2:17
